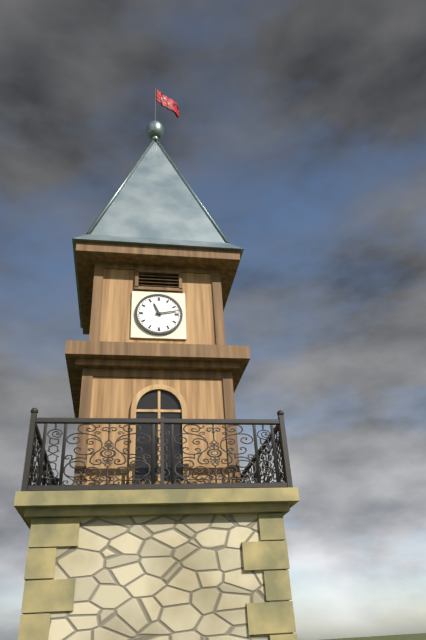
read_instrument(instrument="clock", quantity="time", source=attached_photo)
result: 11:13
